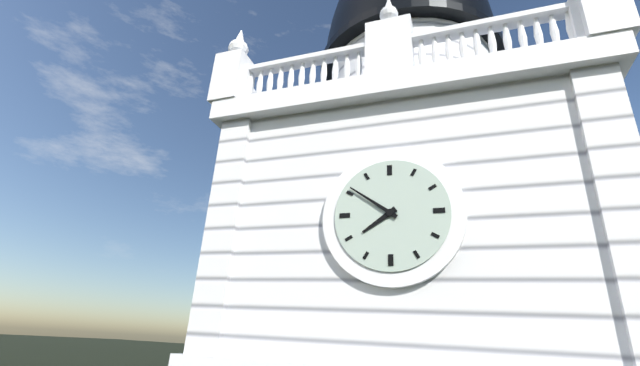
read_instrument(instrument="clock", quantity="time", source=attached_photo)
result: 7:51
